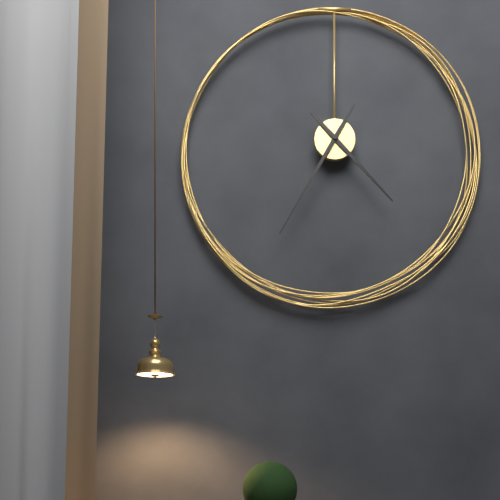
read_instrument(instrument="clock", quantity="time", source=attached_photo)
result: 4:35
